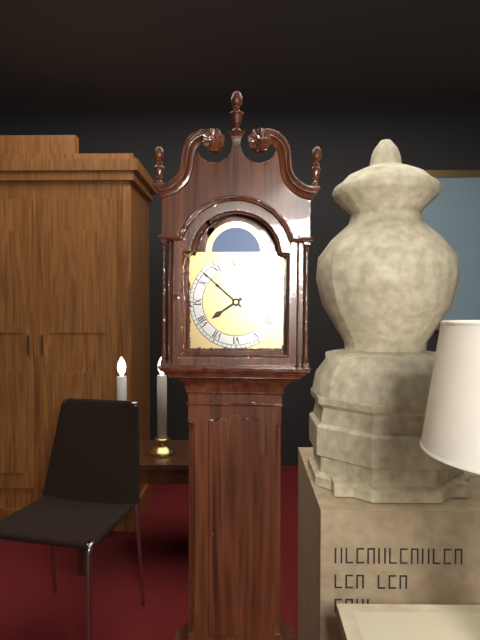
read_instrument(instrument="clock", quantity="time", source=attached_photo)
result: 7:52
